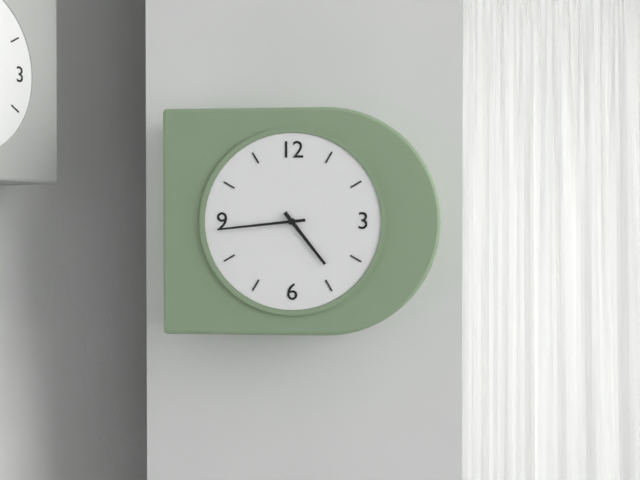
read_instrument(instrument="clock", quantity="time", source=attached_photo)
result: 4:44
